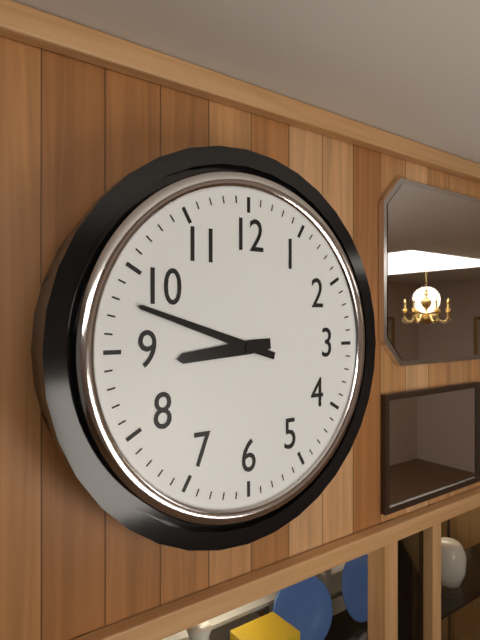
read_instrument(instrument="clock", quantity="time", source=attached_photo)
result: 8:48
